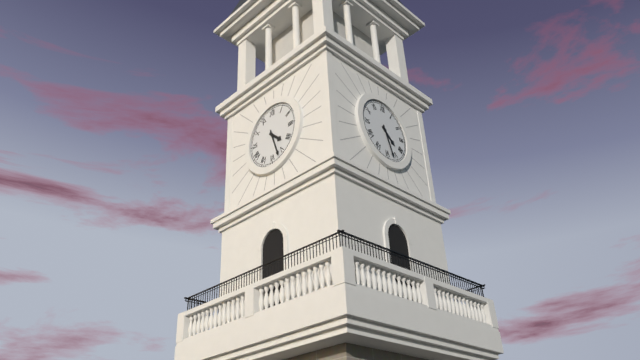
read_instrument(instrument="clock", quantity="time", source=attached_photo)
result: 4:27
